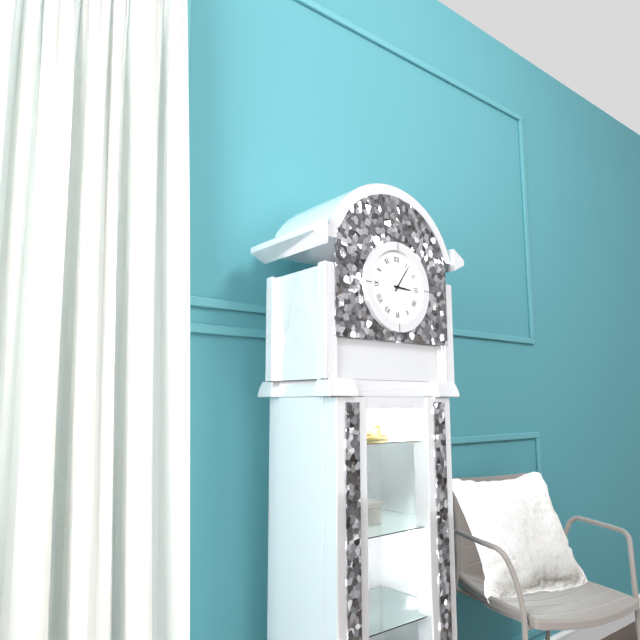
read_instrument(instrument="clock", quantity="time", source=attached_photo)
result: 3:06
